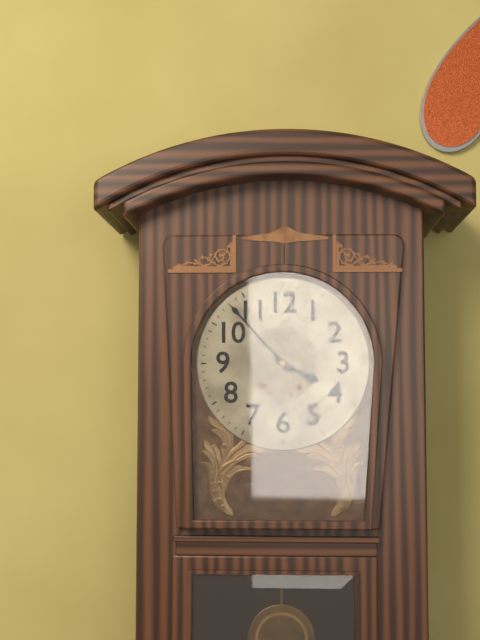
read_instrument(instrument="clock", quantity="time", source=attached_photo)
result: 3:53
